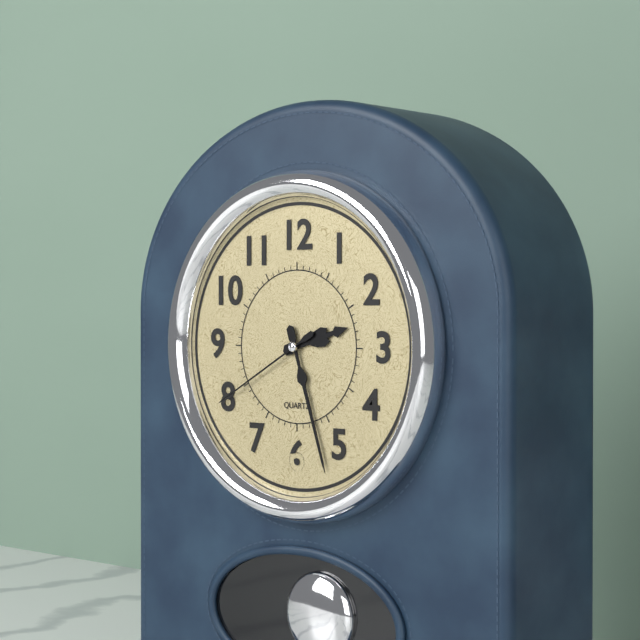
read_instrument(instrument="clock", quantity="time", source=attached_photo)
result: 2:27:40
